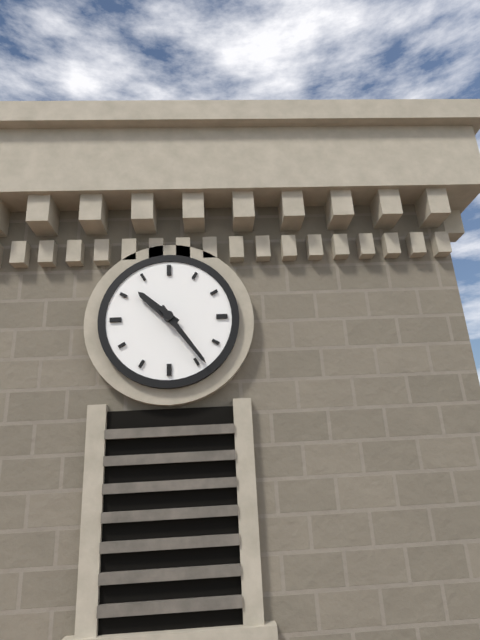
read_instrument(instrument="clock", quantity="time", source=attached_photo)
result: 10:24
